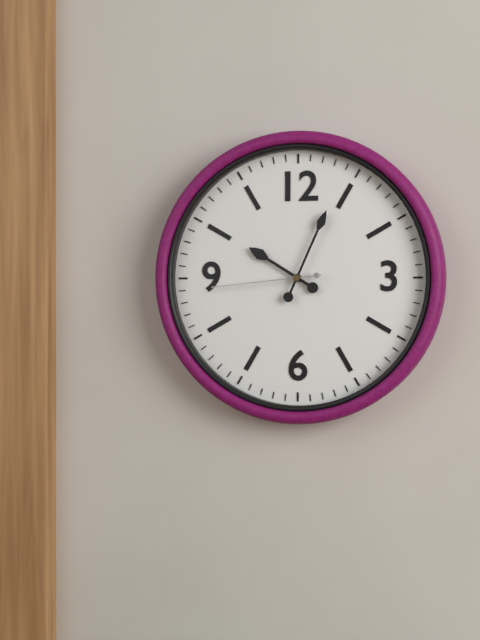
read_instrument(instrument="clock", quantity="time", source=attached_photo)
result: 10:04:44
